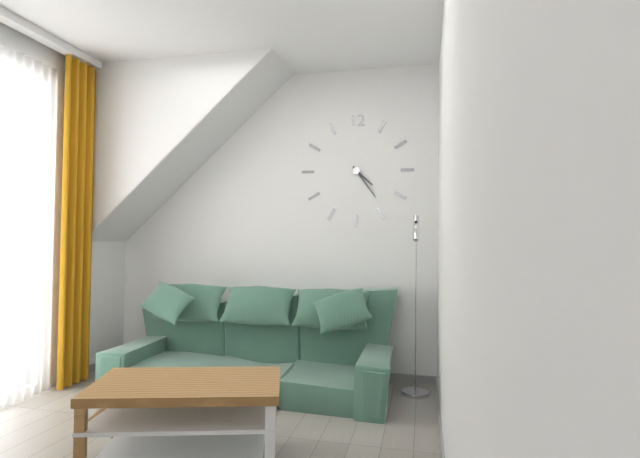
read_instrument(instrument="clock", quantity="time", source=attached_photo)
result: 4:24
